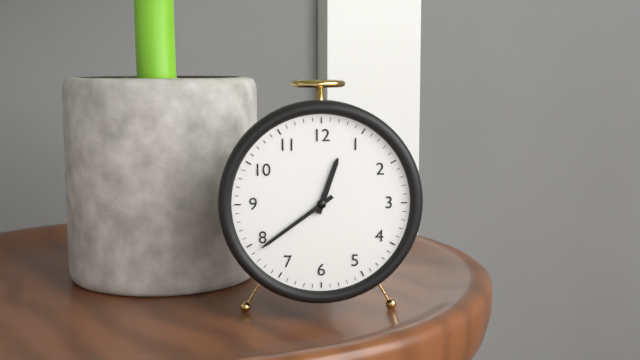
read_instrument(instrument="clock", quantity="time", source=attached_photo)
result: 12:39
